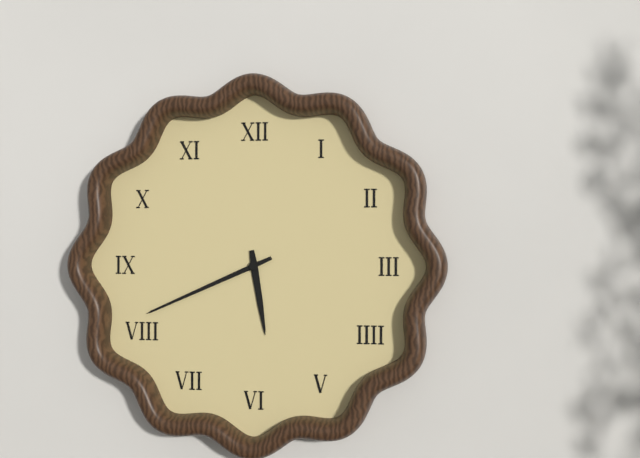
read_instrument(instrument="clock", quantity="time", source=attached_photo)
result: 5:41
